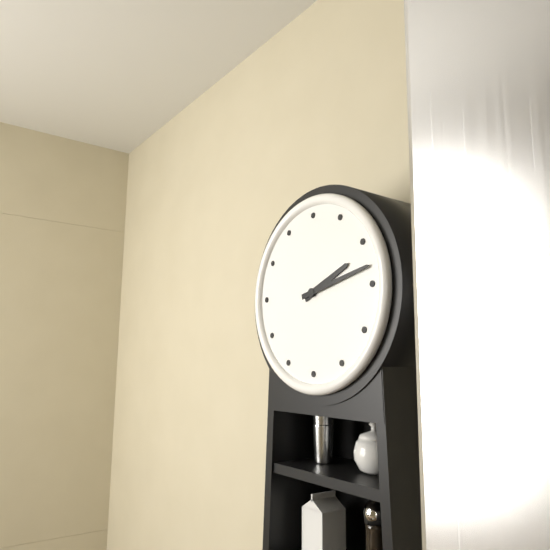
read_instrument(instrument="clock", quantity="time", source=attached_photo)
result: 2:13
